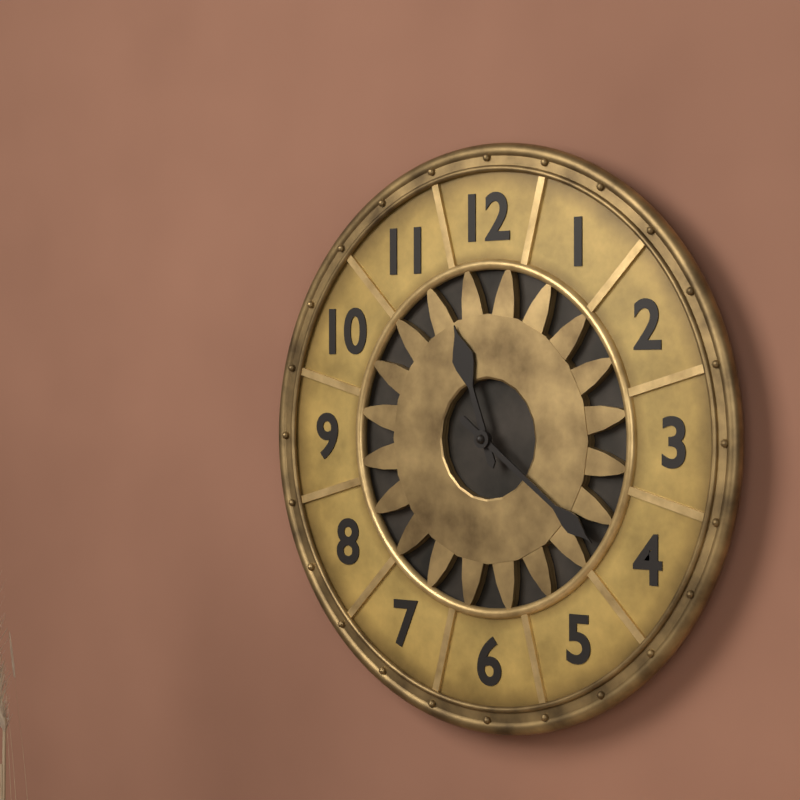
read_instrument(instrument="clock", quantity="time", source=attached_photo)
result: 11:21
